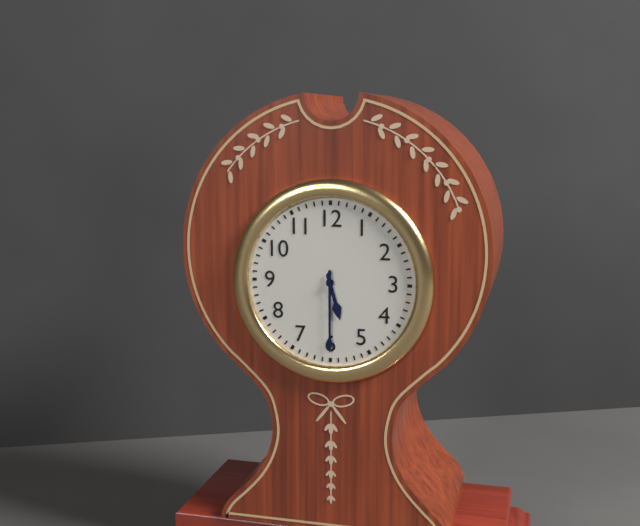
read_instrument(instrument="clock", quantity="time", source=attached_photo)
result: 5:30
